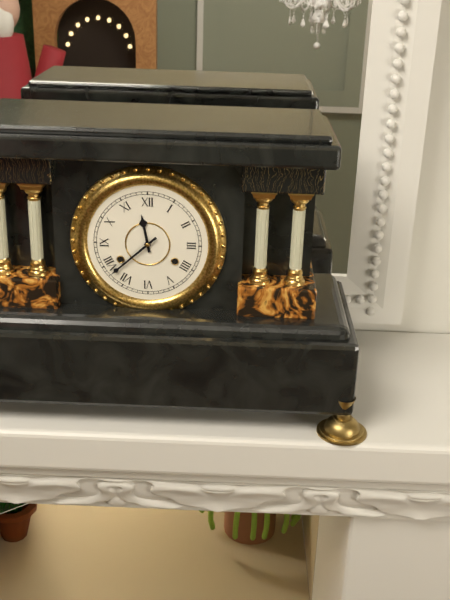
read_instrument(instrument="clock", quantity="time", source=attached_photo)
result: 11:38
